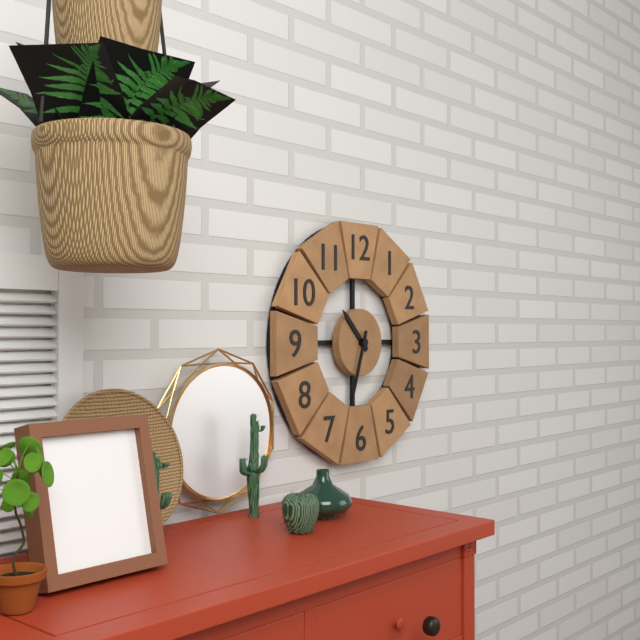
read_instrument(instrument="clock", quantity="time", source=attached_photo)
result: 10:33
